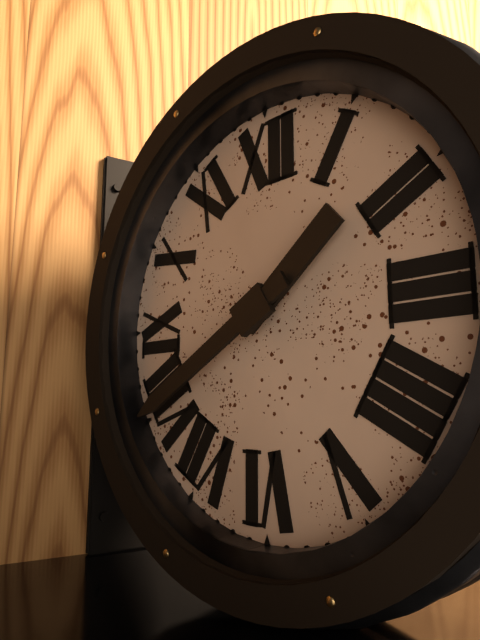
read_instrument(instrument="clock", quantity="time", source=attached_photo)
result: 1:40
